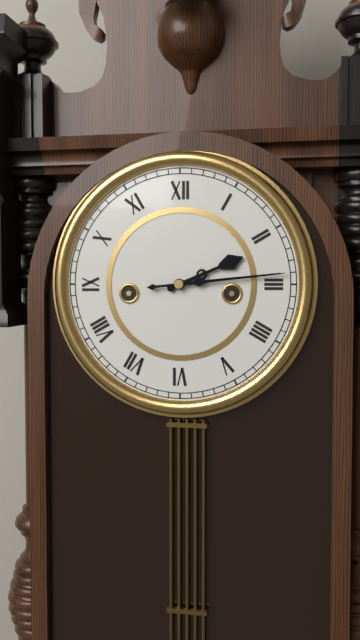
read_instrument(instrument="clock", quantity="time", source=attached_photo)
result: 2:14
